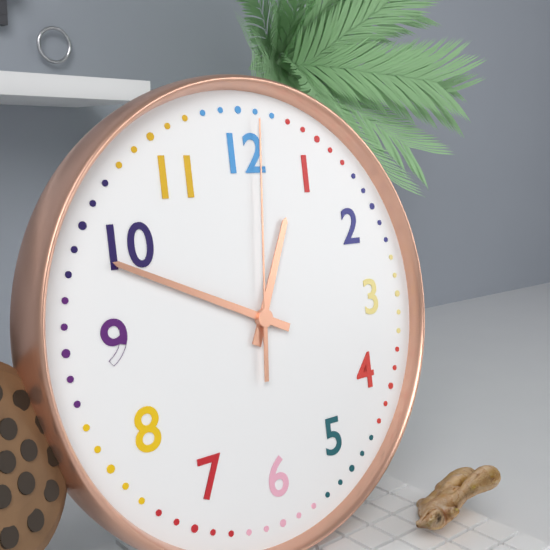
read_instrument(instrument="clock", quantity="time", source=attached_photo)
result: 12:49:01
